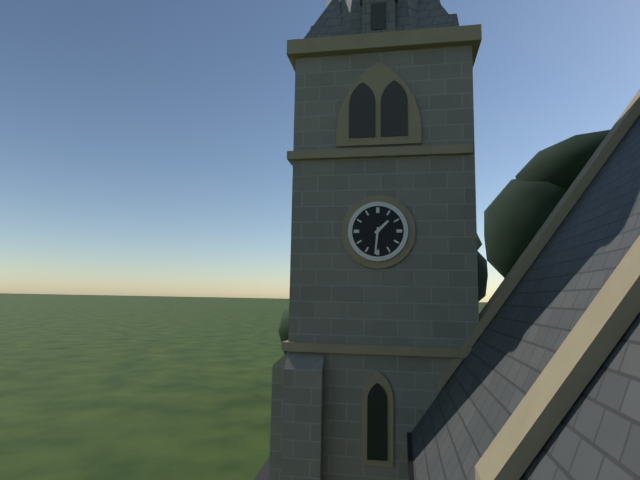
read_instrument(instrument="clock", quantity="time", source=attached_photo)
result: 1:31
